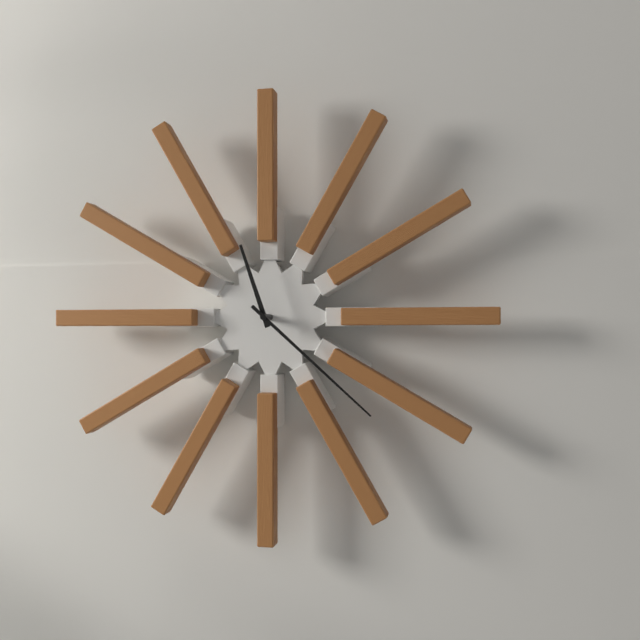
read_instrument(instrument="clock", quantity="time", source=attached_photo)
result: 11:22
